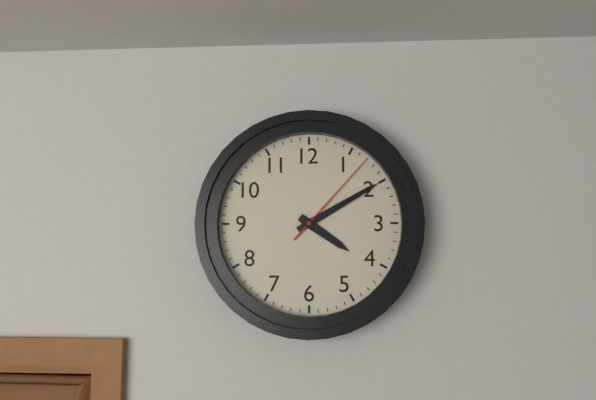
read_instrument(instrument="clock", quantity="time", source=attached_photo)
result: 4:10:07
